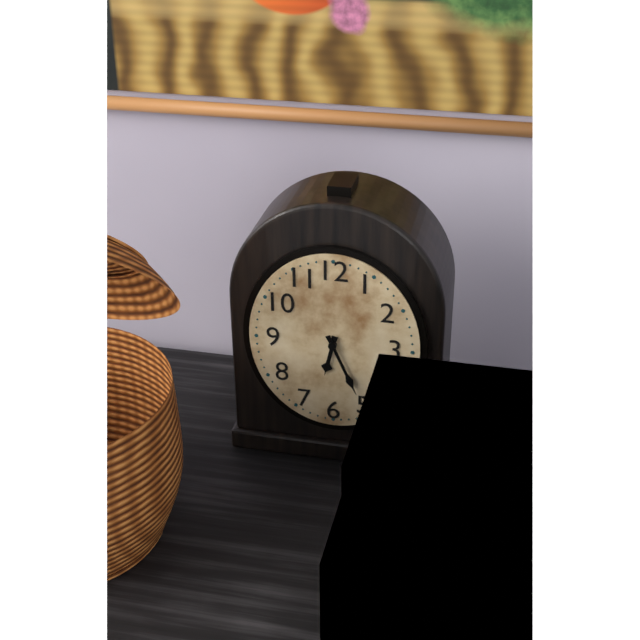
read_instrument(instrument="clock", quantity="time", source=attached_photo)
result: 6:26
